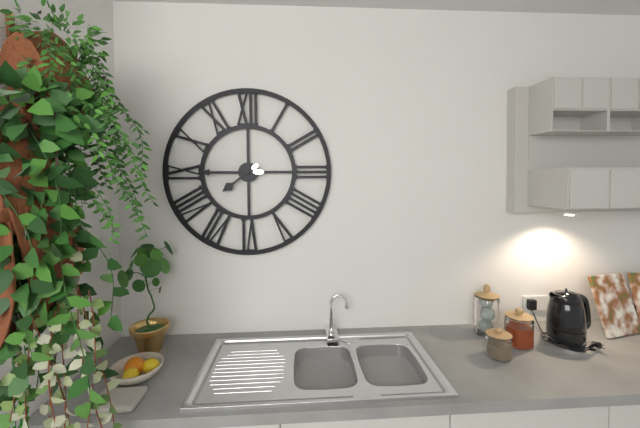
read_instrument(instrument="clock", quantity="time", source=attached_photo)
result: 7:45
